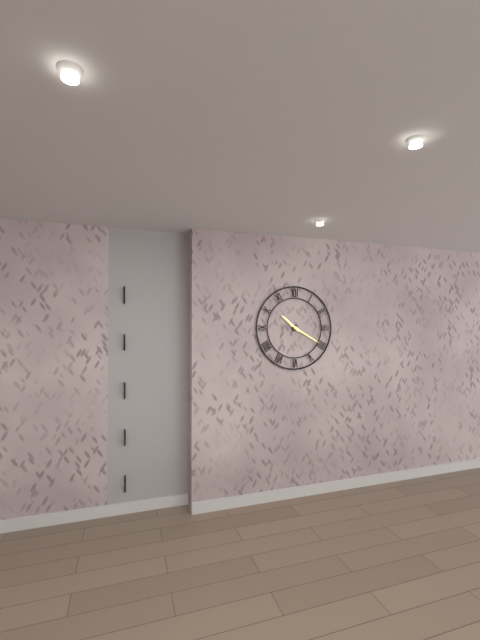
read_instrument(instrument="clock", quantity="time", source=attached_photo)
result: 10:20
